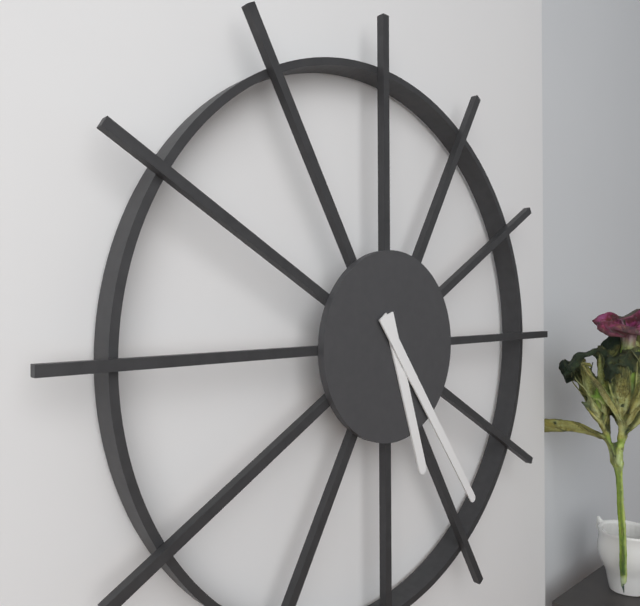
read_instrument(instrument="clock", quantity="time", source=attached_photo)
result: 5:24
